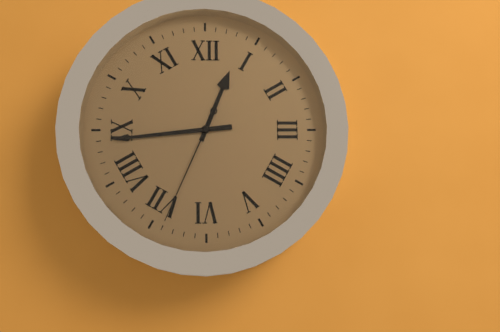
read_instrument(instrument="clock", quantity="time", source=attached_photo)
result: 12:44:34
